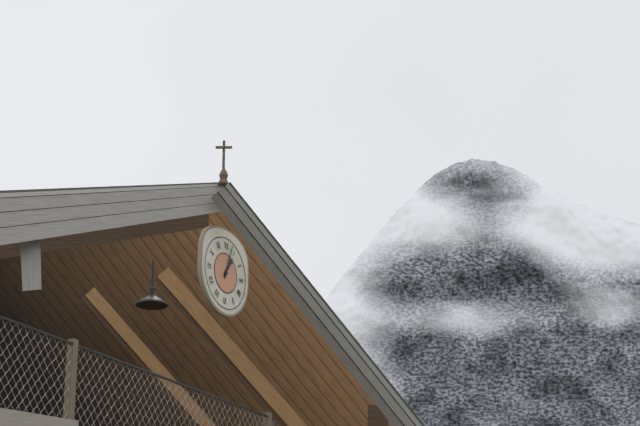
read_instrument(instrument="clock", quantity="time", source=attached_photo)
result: 1:03
